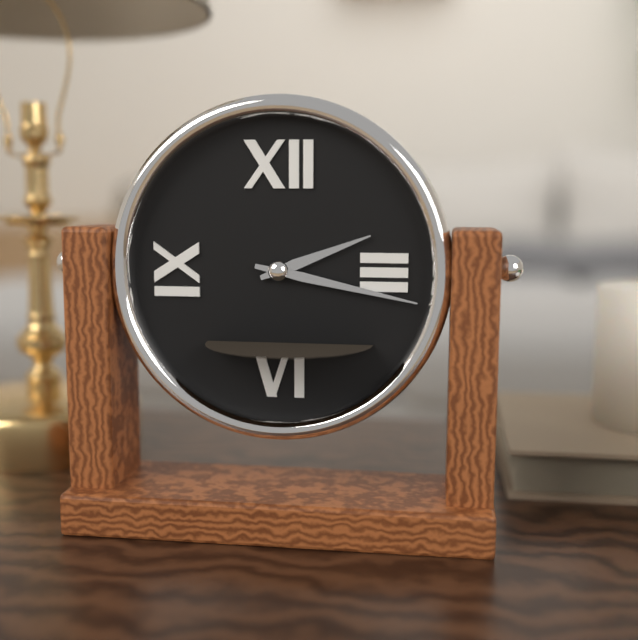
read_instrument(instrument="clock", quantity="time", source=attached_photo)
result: 2:17
